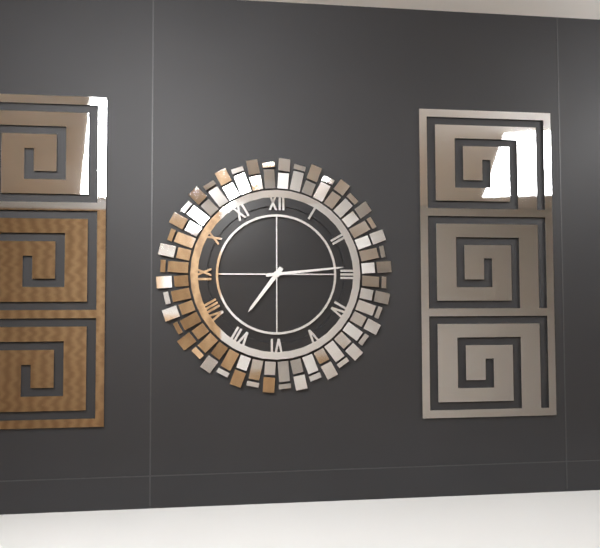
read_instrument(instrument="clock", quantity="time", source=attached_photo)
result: 7:14
